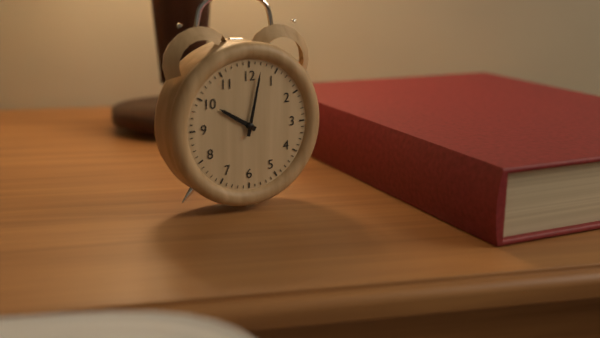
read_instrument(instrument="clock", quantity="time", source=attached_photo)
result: 10:02
